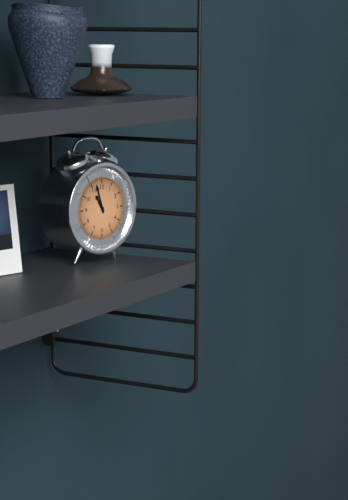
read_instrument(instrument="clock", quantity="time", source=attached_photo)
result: 10:57
